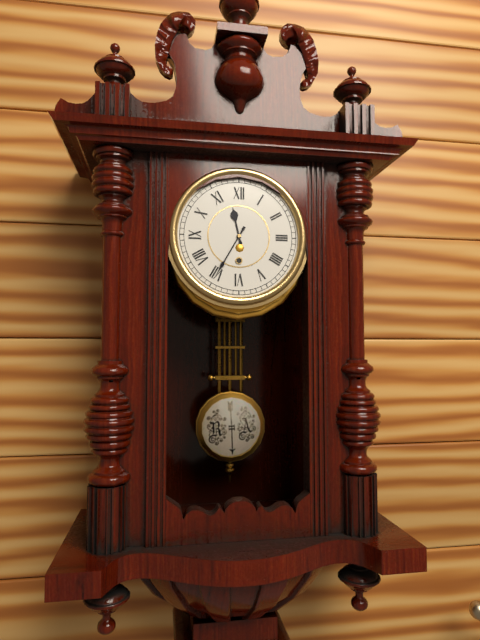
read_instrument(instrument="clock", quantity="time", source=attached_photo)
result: 11:35
